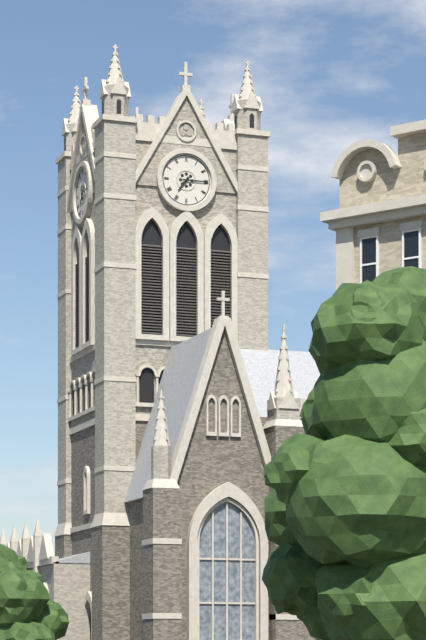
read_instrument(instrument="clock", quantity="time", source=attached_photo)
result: 7:15
